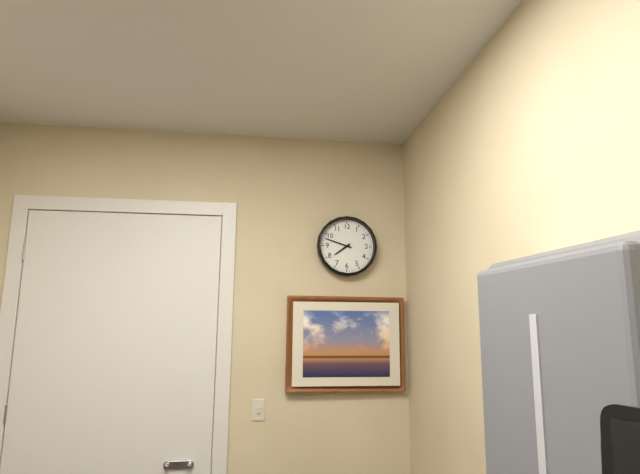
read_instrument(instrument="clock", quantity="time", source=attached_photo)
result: 7:48
